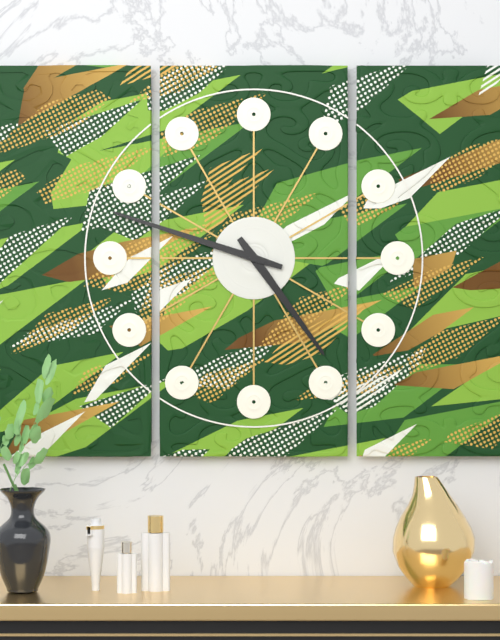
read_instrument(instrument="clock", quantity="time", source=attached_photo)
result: 4:48
